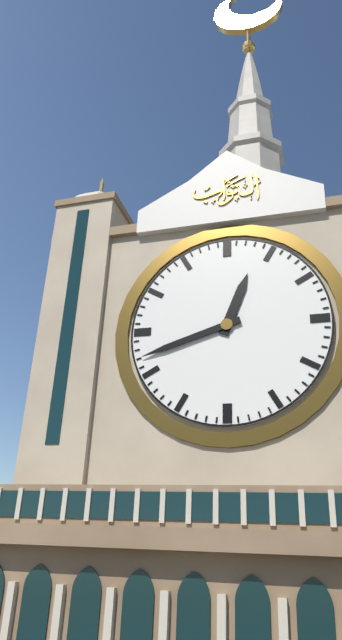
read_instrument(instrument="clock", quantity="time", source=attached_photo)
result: 12:42
